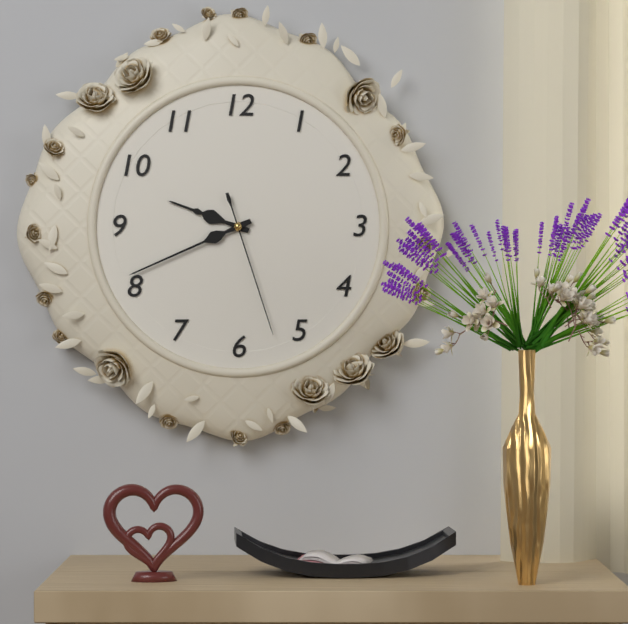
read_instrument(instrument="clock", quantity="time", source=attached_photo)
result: 9:41:27
